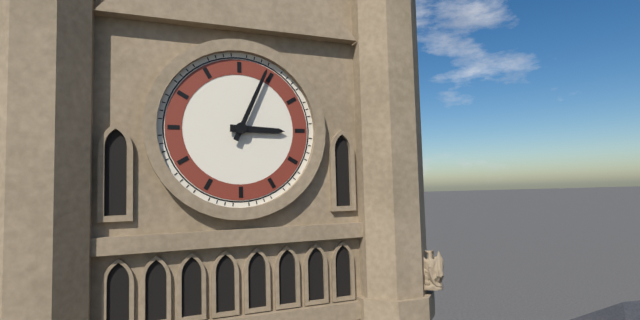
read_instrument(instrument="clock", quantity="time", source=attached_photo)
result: 3:04
